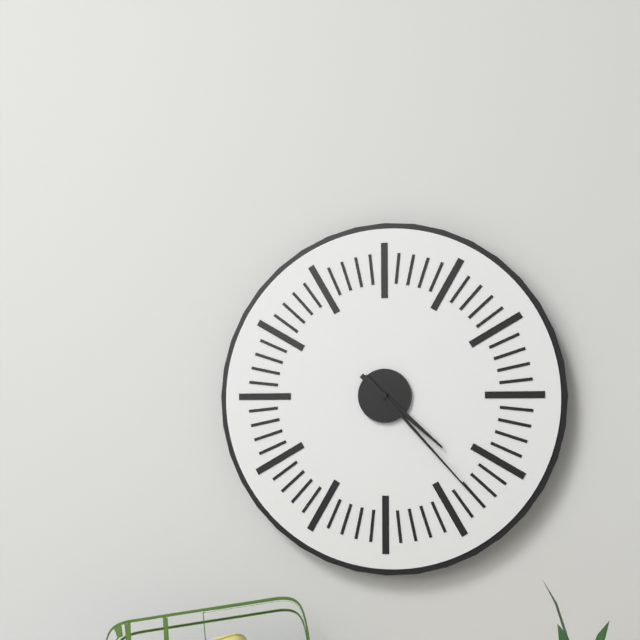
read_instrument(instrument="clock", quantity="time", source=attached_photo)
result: 4:23
